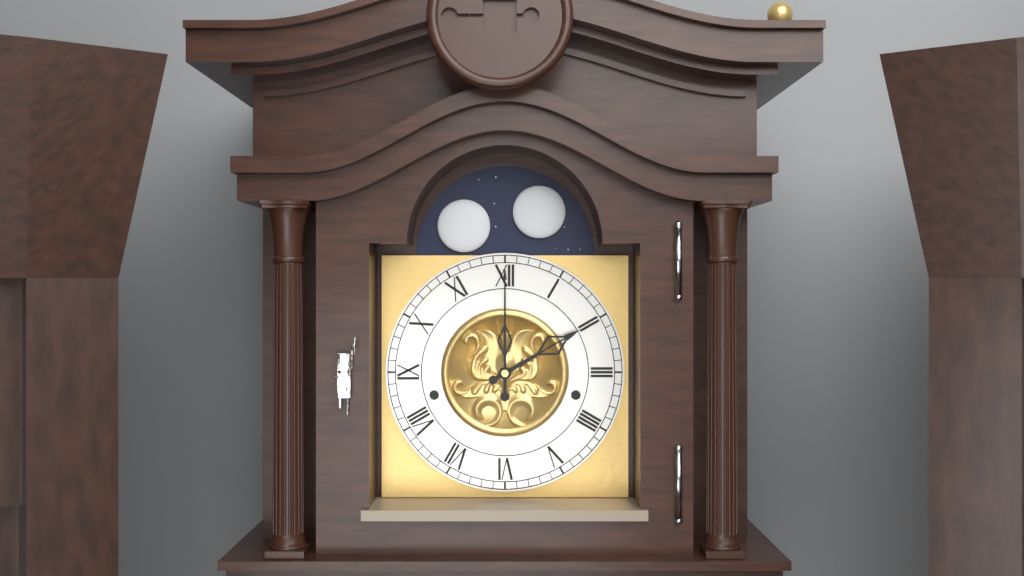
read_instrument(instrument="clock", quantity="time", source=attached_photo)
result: 2:00
